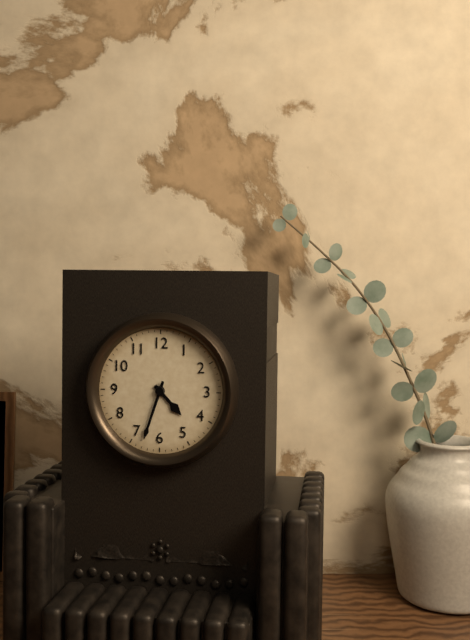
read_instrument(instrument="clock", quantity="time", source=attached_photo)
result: 4:33
